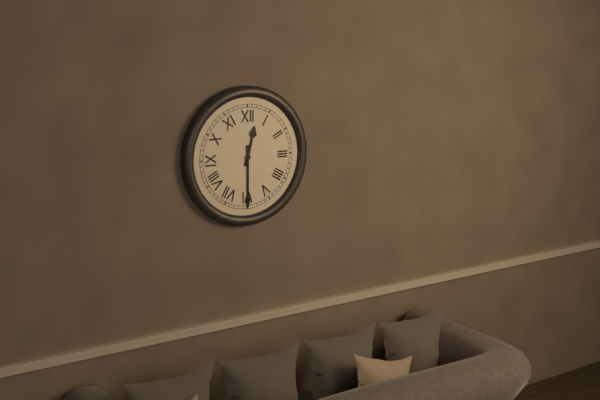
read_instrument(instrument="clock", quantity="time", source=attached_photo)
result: 12:30
